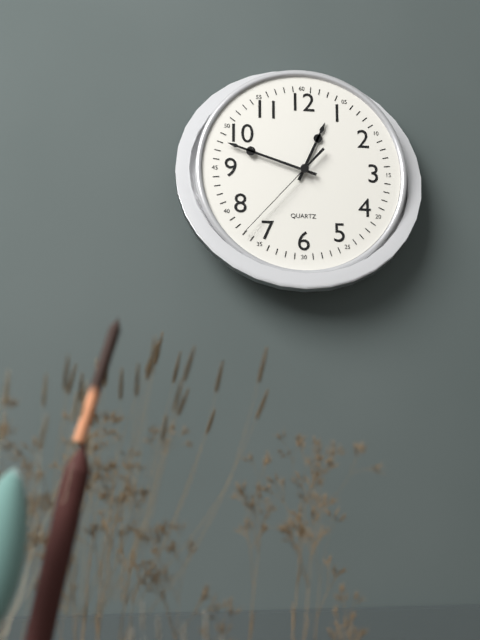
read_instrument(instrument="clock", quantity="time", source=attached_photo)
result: 12:48:37
